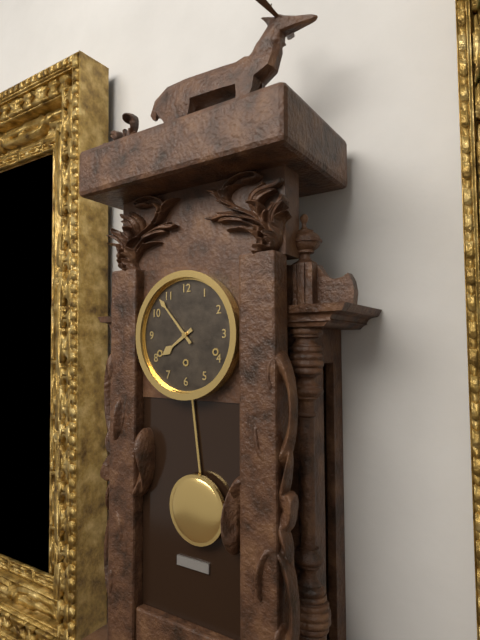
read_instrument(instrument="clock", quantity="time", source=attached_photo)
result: 7:53
